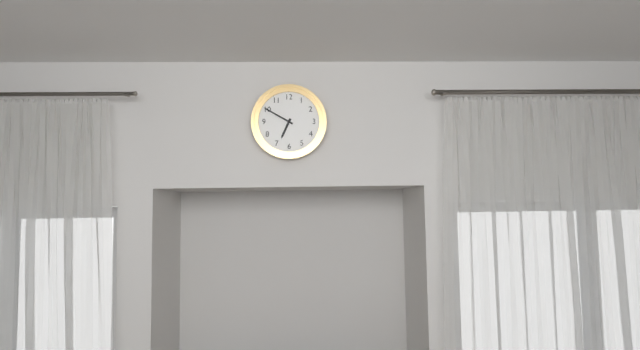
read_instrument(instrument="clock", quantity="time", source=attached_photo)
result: 6:50
